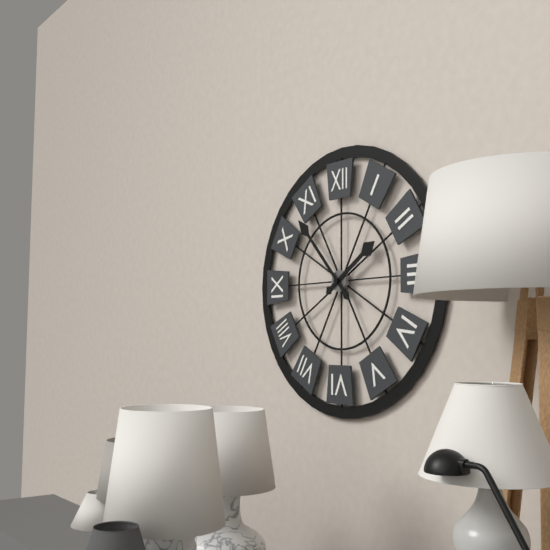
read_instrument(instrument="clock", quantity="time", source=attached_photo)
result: 1:53
